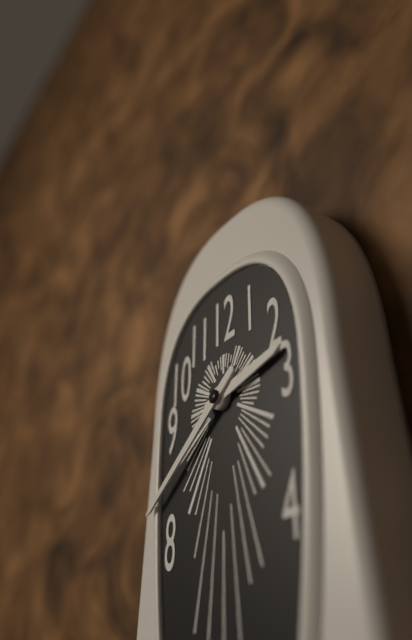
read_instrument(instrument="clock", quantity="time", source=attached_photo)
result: 2:39
